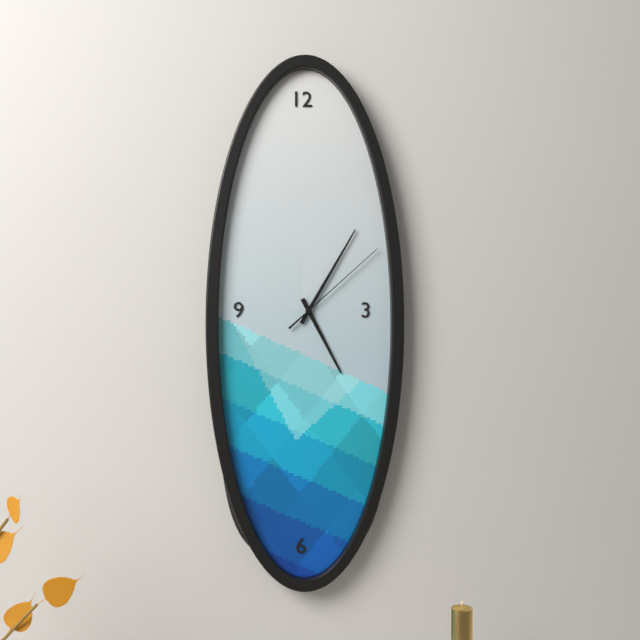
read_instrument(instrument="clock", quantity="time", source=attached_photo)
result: 5:05:08
